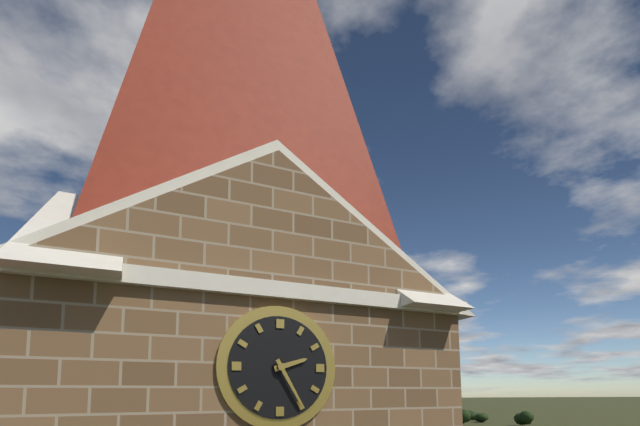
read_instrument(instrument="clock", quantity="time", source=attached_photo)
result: 2:25
